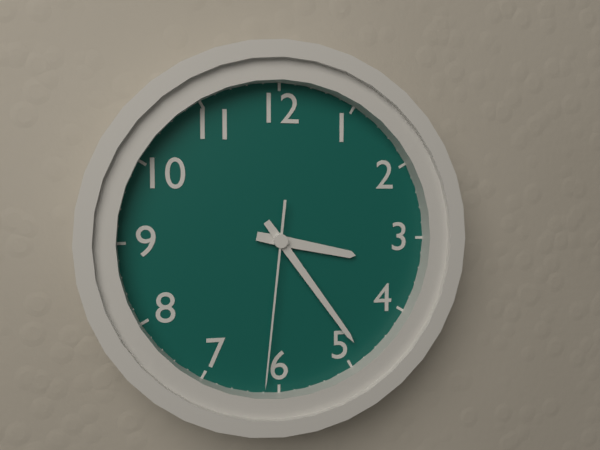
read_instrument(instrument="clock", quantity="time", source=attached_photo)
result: 3:24:31
